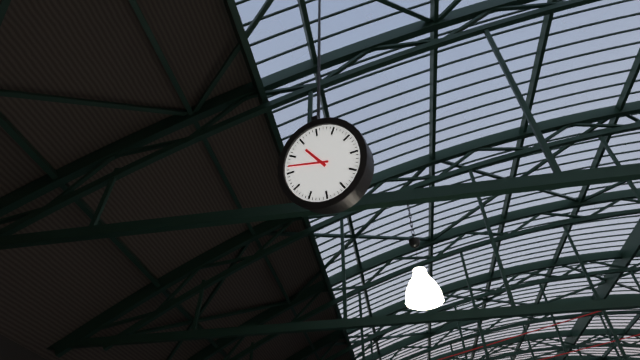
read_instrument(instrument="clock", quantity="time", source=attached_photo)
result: 10:47
